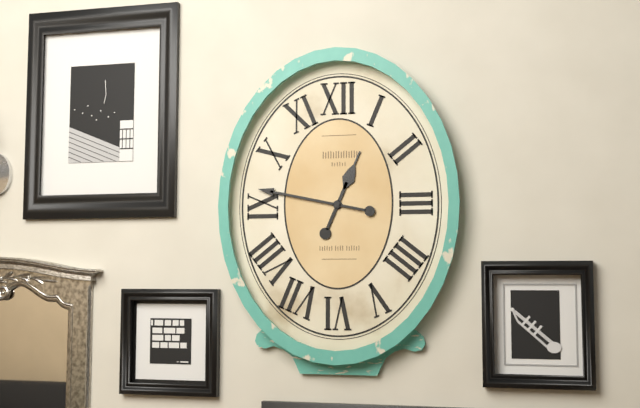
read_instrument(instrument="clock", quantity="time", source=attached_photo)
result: 12:47
